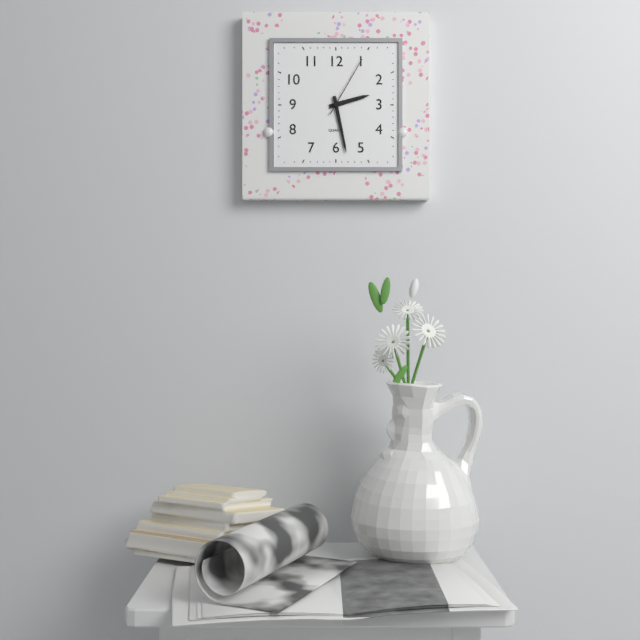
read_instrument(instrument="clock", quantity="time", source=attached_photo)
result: 2:28:05
